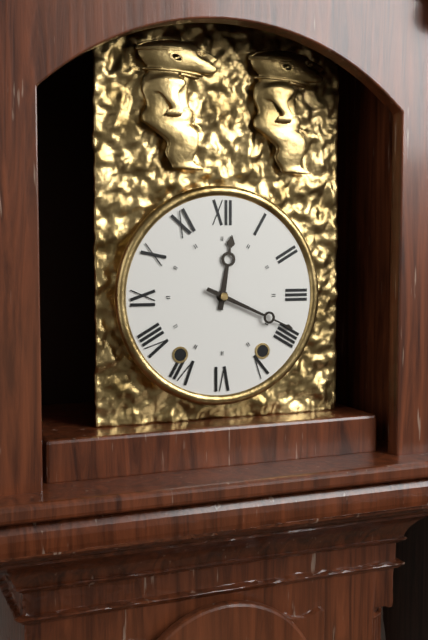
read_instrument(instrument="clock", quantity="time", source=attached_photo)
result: 12:19
